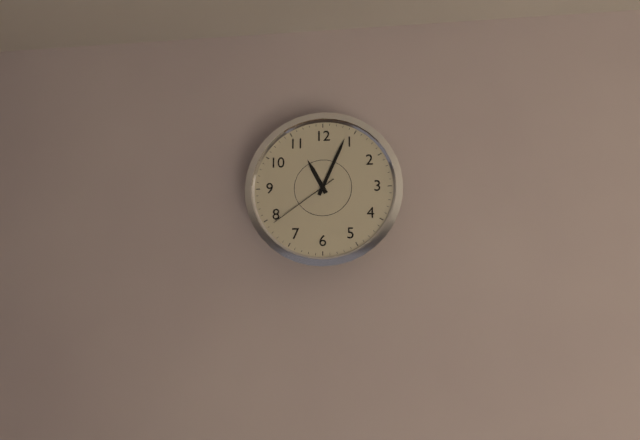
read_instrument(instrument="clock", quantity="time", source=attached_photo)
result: 11:04:39
